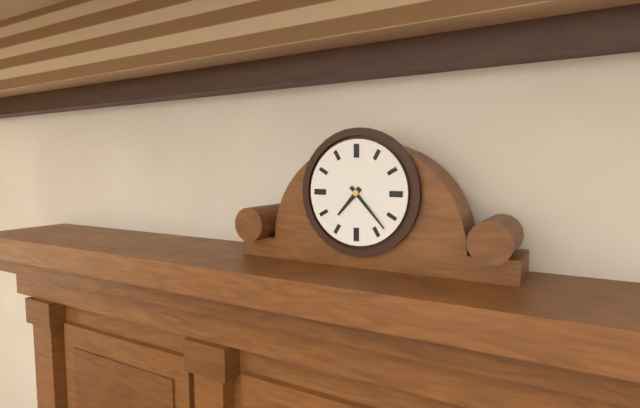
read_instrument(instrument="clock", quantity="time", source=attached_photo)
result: 7:23
